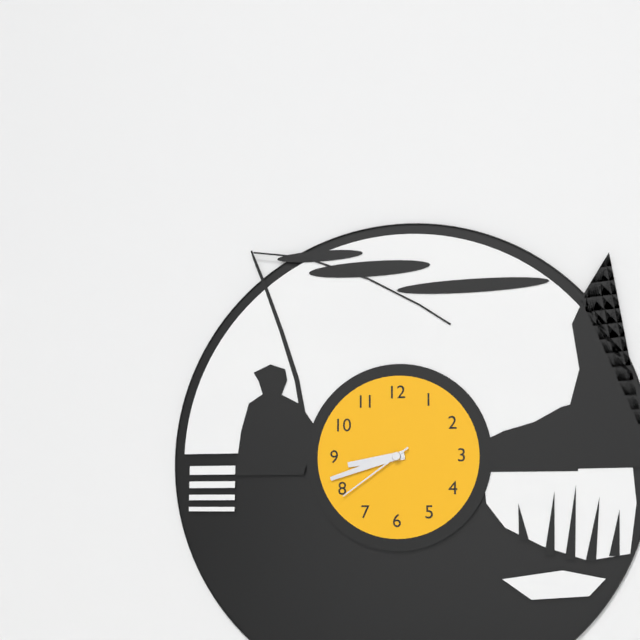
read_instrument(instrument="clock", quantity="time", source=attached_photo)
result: 8:42:39
